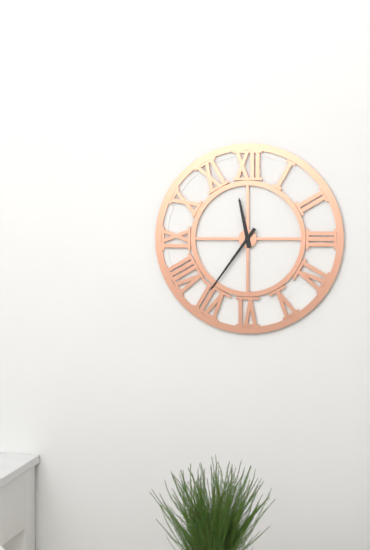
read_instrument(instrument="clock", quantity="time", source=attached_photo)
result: 11:36
